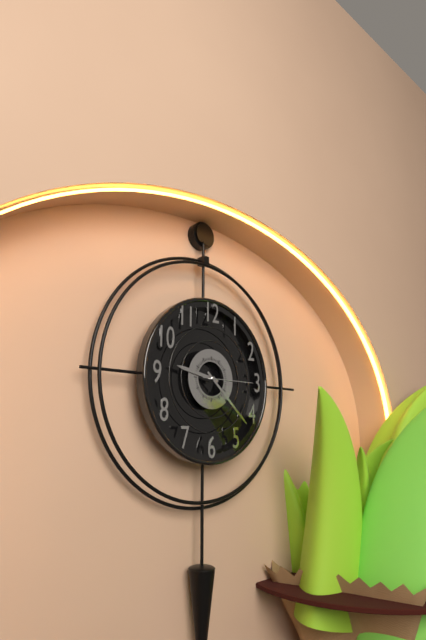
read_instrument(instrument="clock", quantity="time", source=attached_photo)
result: 9:22:15
